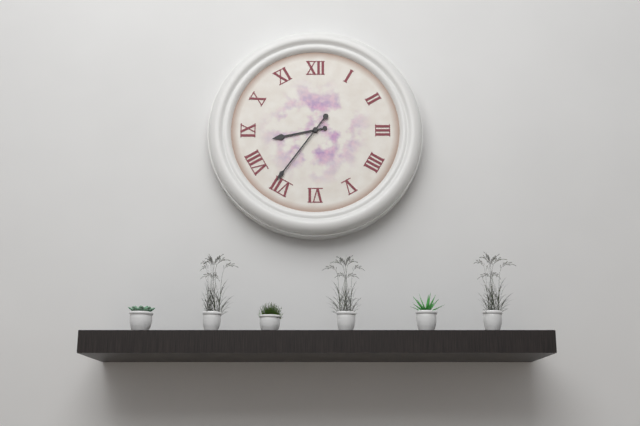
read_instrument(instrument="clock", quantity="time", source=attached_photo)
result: 8:36
